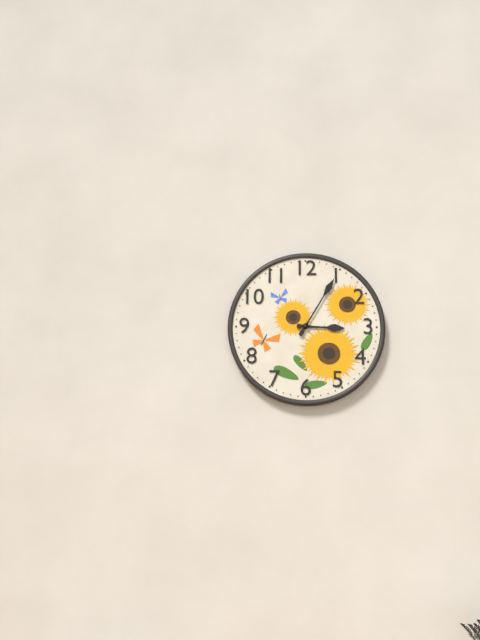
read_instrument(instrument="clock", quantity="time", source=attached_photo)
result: 3:05
